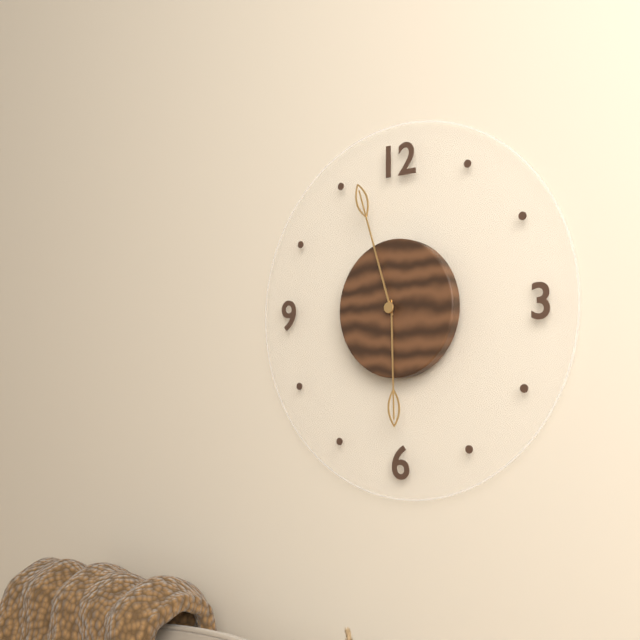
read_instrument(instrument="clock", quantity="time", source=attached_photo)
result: 5:57
